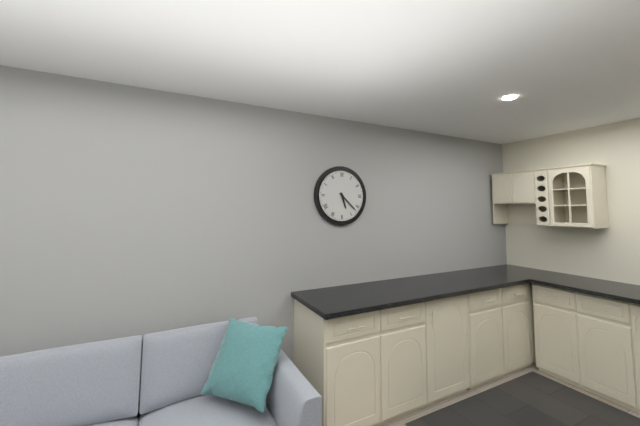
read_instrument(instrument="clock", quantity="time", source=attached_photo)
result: 5:22
